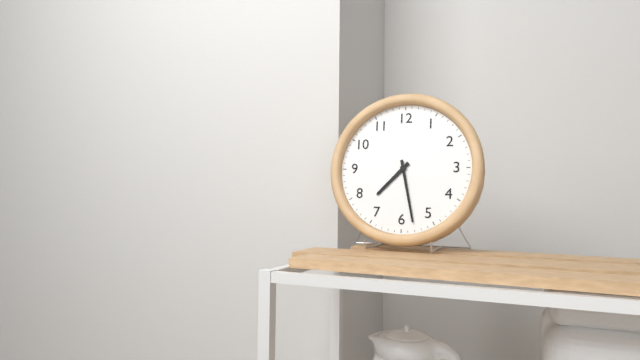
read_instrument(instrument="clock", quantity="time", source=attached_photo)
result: 7:28
